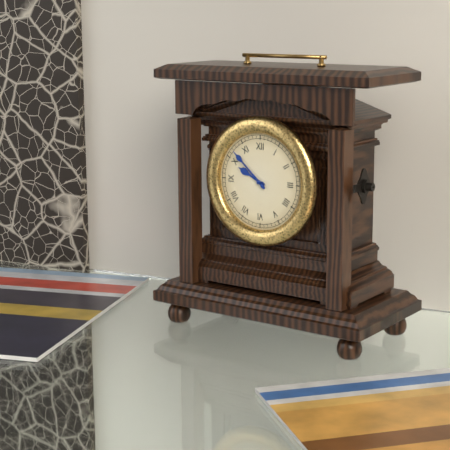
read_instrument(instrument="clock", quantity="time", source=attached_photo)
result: 9:52
